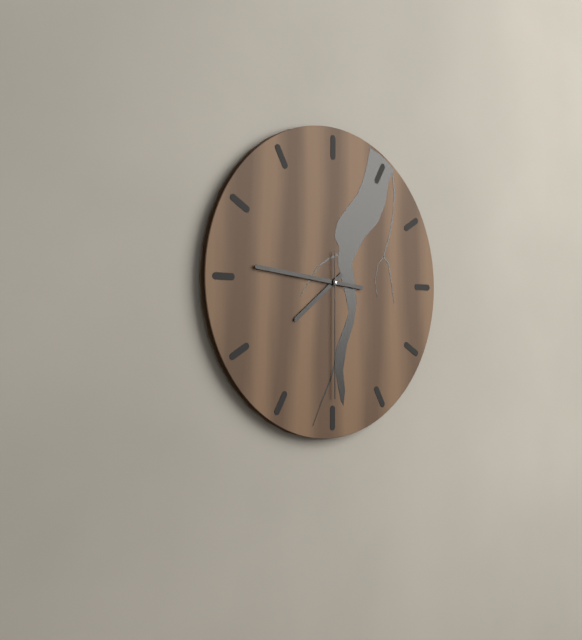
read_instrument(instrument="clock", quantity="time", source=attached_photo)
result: 7:46:30
